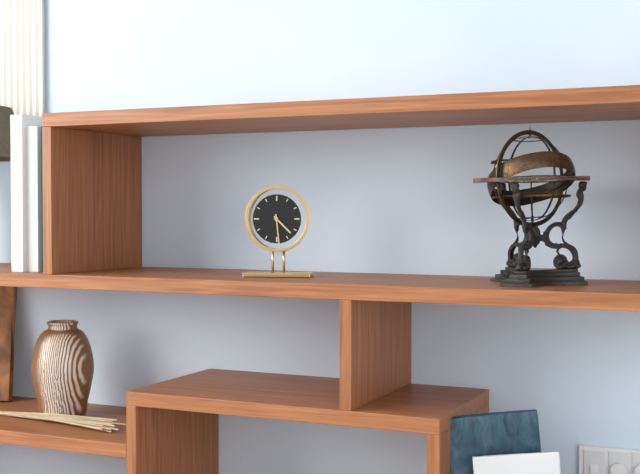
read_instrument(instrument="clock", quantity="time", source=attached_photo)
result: 4:29
